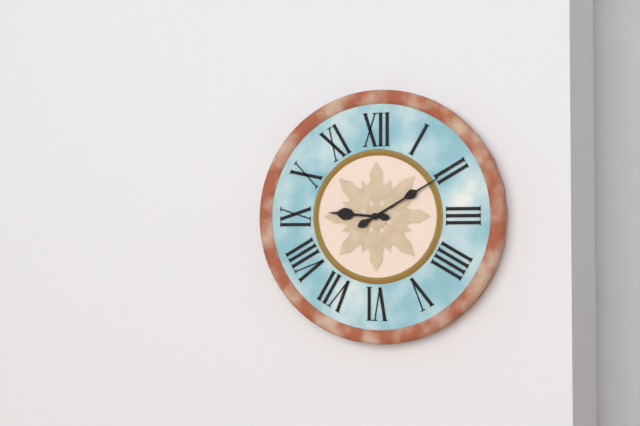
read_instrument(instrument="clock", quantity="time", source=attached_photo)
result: 9:10
